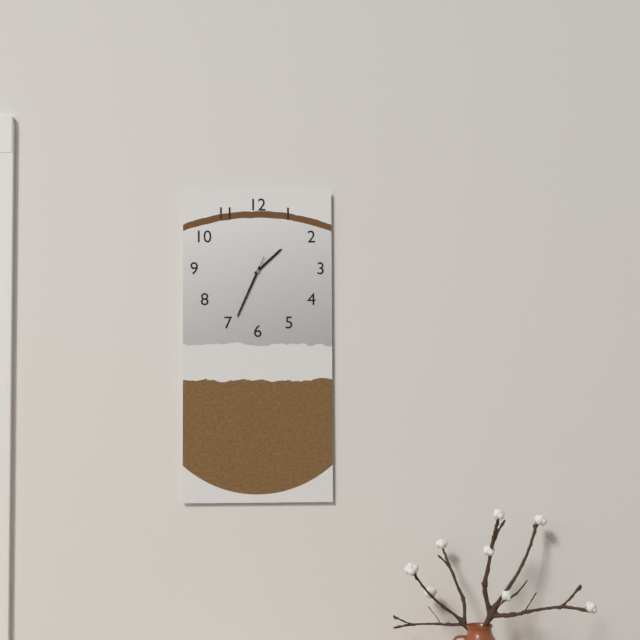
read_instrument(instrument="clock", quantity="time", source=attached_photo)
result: 1:34:34
